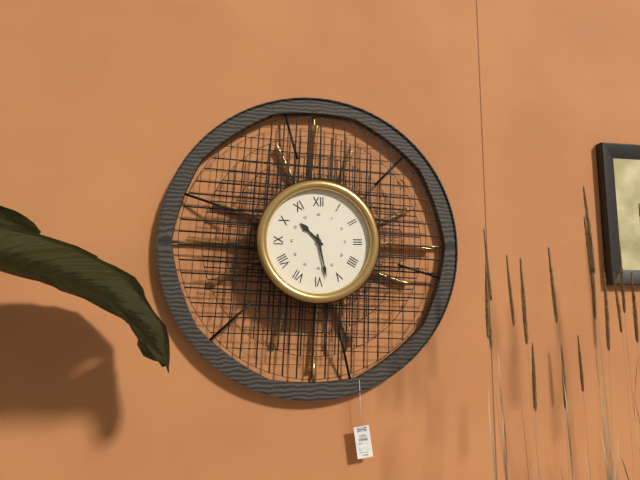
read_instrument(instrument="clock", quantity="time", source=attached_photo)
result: 10:28
